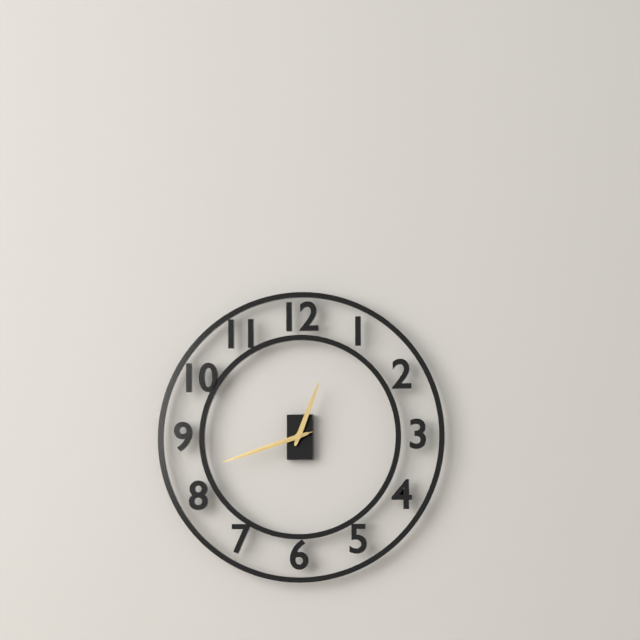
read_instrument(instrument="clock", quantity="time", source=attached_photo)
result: 12:42:42
